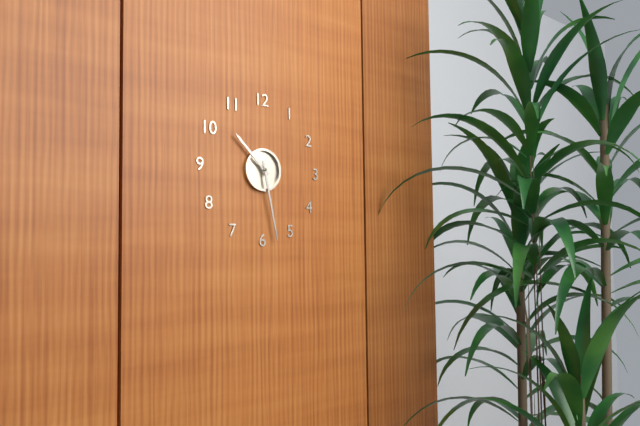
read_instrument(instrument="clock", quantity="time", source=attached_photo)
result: 10:28
